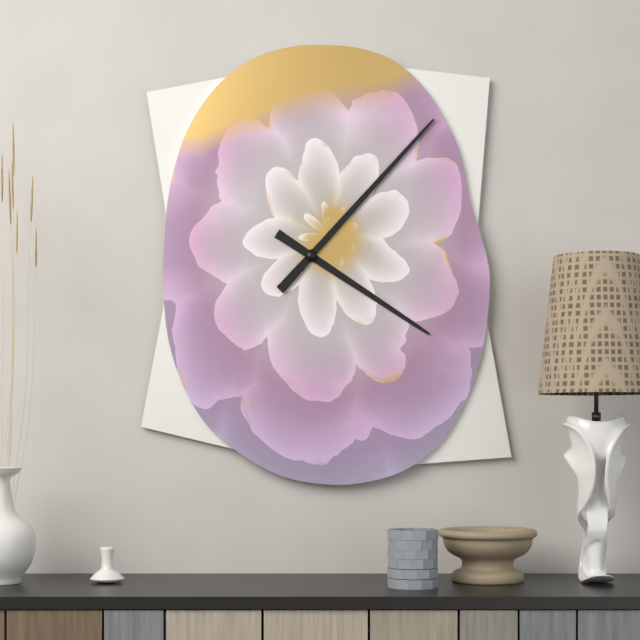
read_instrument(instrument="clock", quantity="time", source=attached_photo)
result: 4:07
